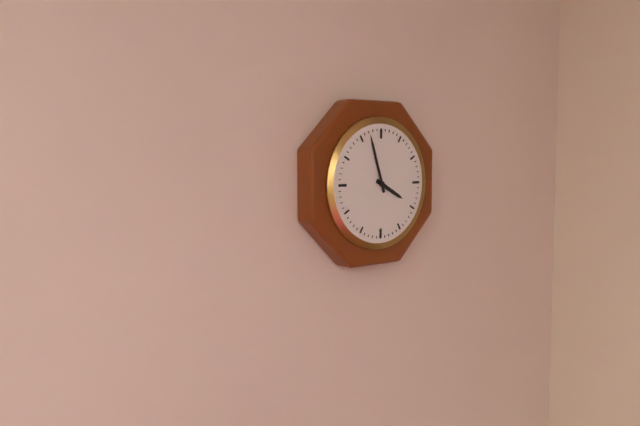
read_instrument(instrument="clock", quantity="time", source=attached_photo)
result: 3:57
